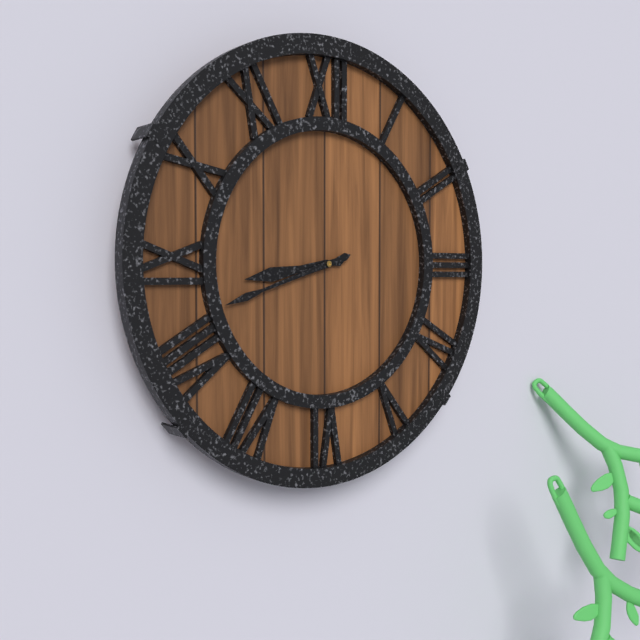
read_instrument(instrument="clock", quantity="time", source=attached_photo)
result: 8:42
